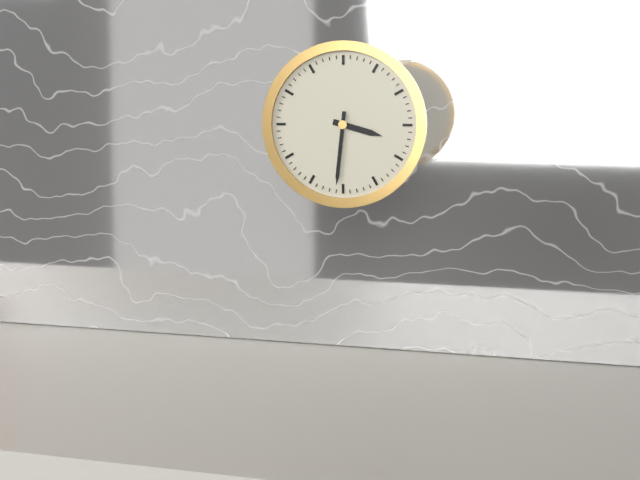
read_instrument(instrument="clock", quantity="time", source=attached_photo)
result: 3:31
